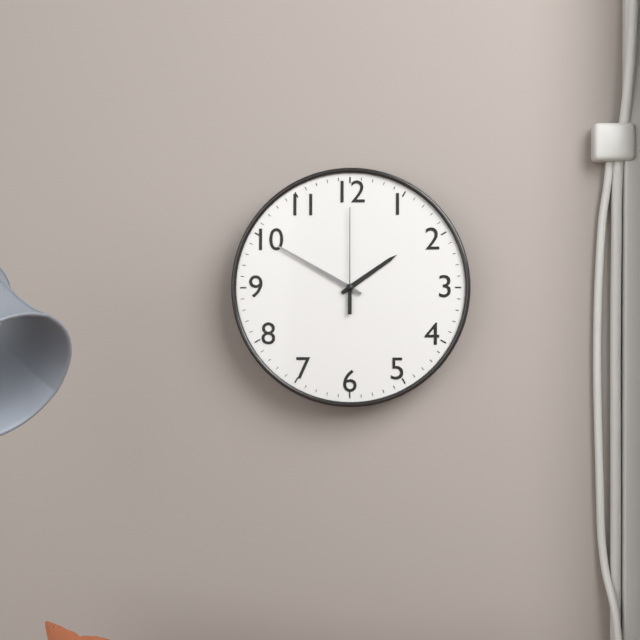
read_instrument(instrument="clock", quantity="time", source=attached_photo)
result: 1:50:00
